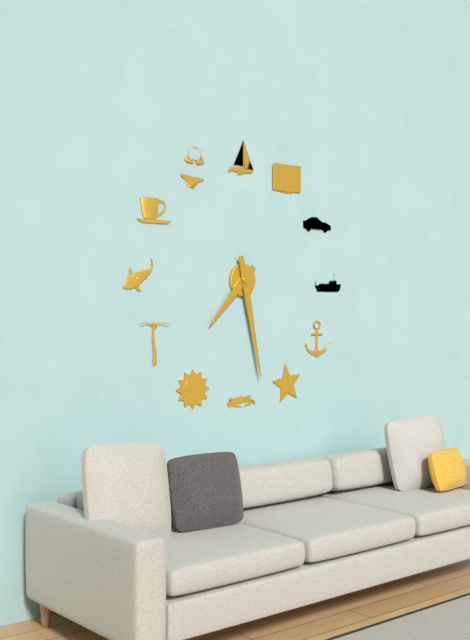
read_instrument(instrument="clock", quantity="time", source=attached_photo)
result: 7:28
